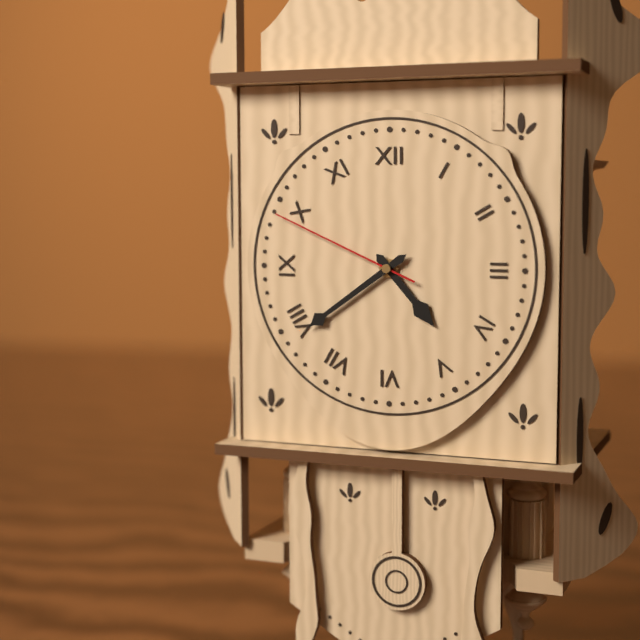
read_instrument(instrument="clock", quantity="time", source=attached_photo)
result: 4:39:49
